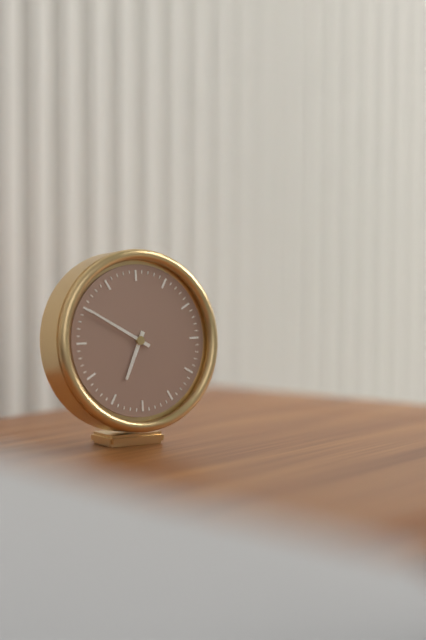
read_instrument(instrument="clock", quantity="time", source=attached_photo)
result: 6:50
